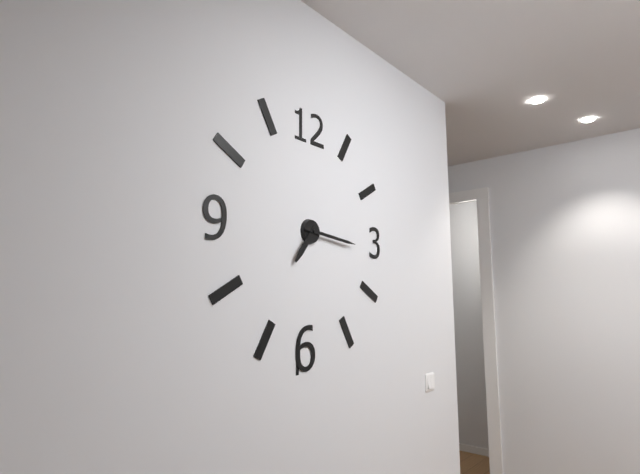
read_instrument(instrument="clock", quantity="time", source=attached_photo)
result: 7:16
